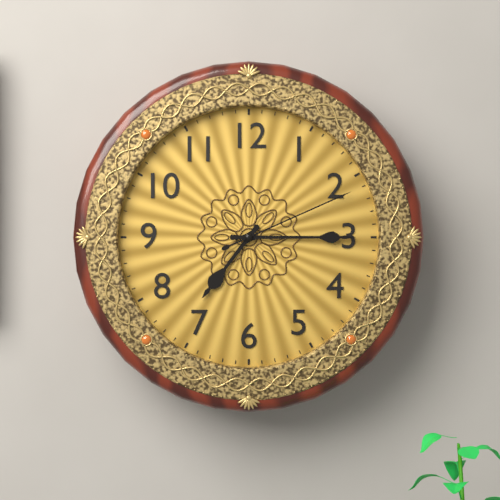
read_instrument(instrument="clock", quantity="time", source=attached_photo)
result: 7:15:11
